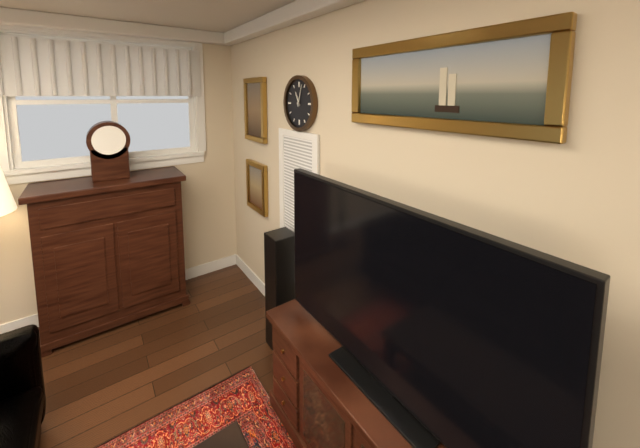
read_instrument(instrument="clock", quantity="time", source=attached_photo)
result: 11:03
